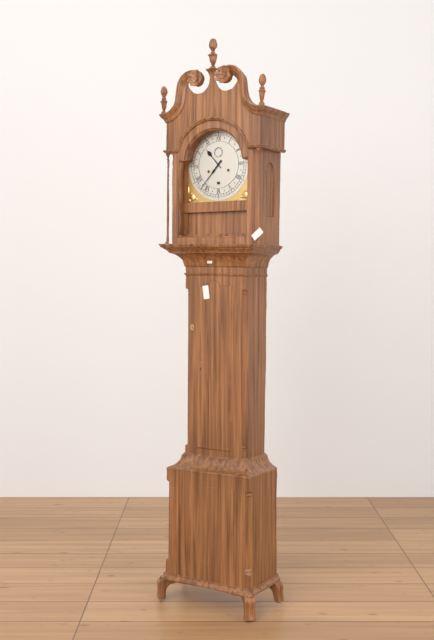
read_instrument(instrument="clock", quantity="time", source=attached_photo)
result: 10:37
